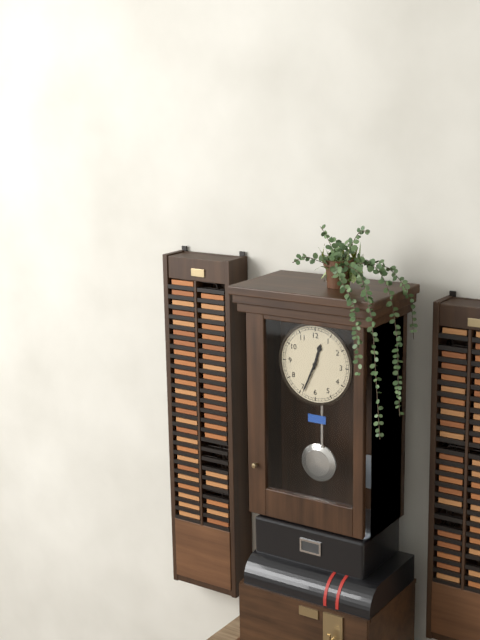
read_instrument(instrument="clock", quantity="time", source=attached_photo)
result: 12:34
